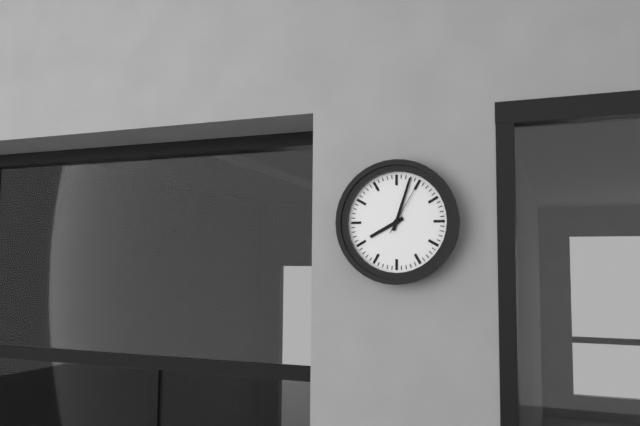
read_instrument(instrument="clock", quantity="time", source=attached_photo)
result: 8:03:05
